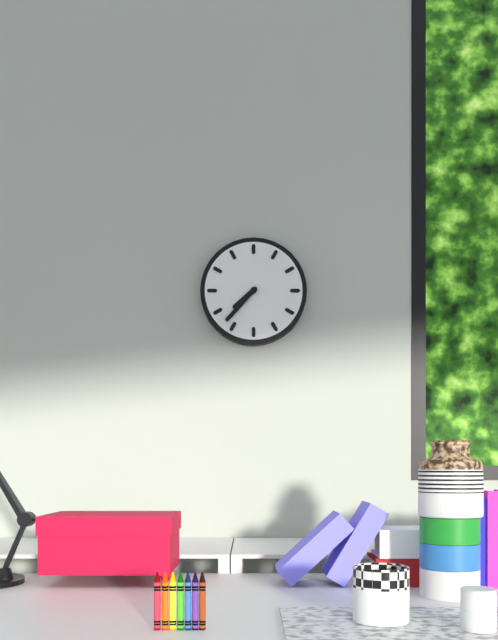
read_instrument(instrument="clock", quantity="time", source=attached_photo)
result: 7:37
